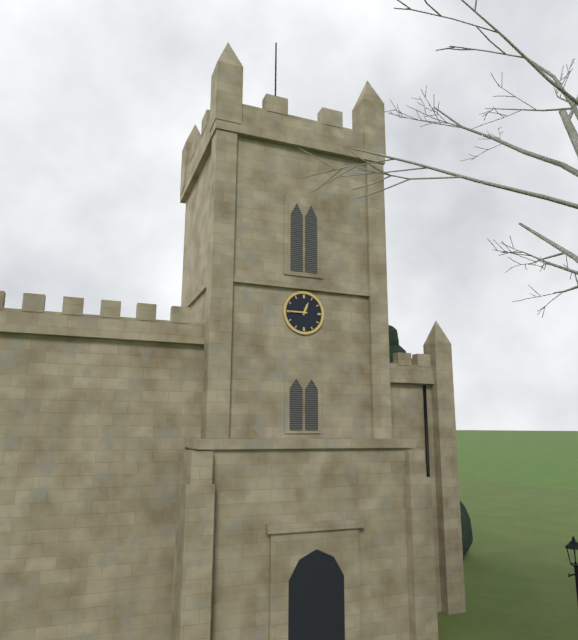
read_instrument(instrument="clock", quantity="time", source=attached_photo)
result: 12:45
